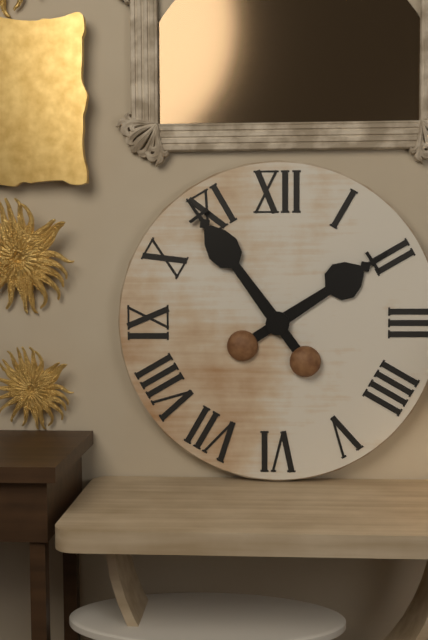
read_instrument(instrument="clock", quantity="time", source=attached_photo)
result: 1:54
